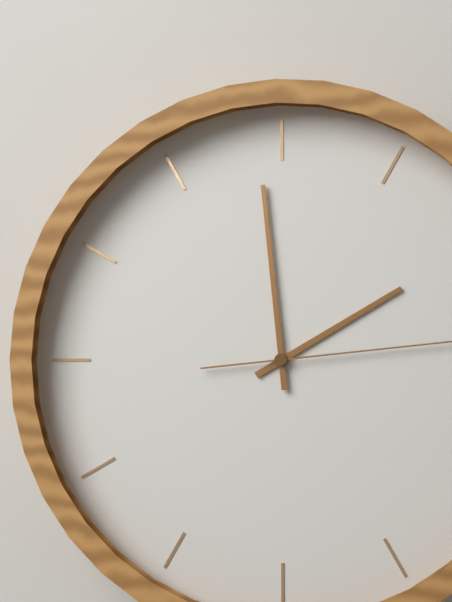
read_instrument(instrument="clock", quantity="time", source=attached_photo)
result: 1:59
